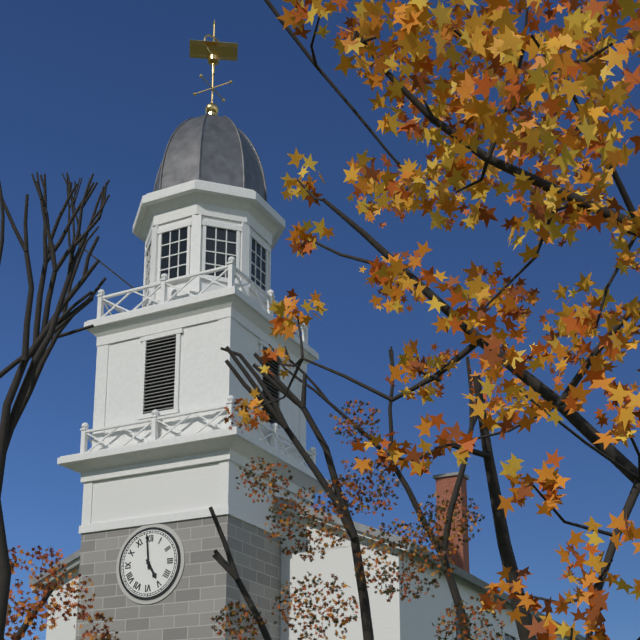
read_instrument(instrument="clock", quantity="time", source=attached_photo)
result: 4:59
